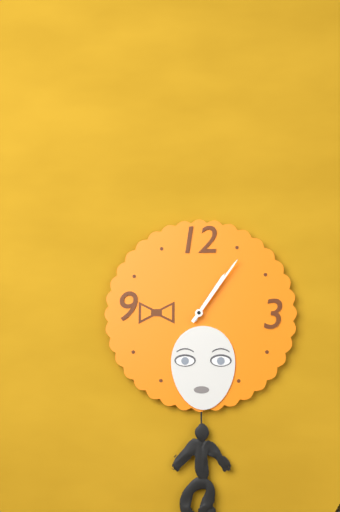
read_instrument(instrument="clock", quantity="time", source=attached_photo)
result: 1:06
